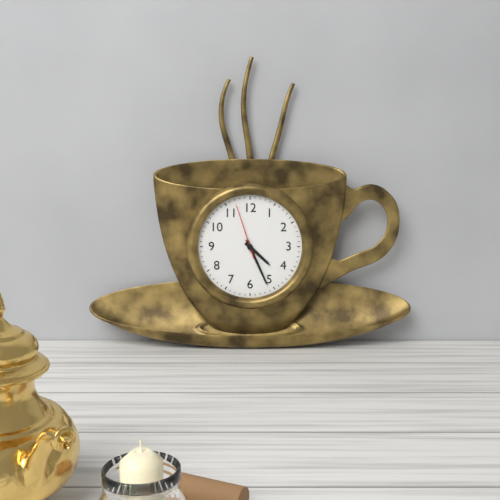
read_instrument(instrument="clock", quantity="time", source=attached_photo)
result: 4:26:57
